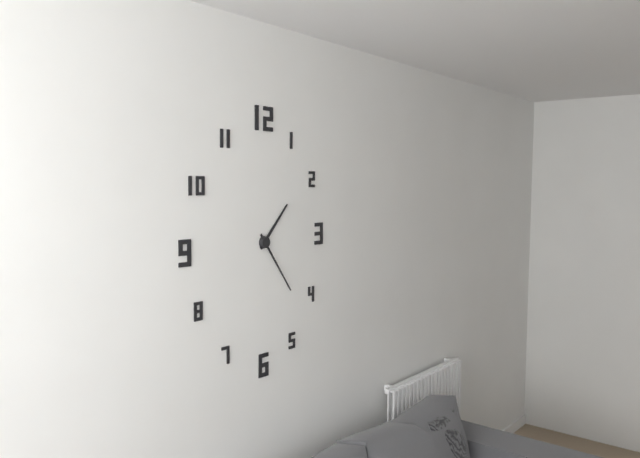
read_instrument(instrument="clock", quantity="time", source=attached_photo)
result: 1:24
